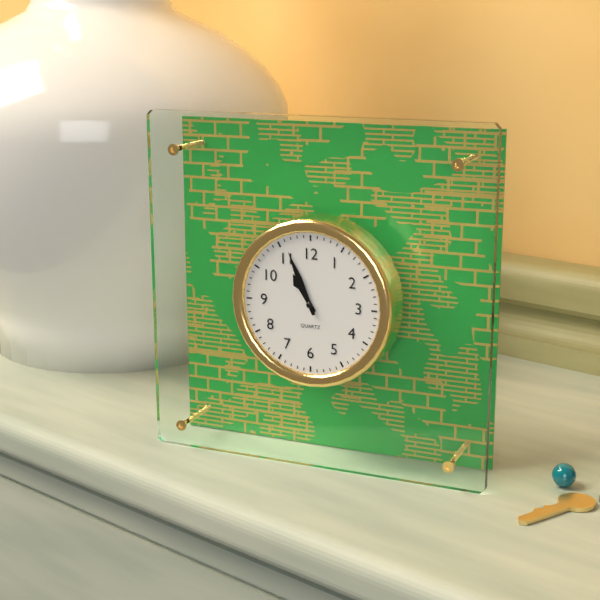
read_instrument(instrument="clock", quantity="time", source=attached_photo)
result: 10:56
